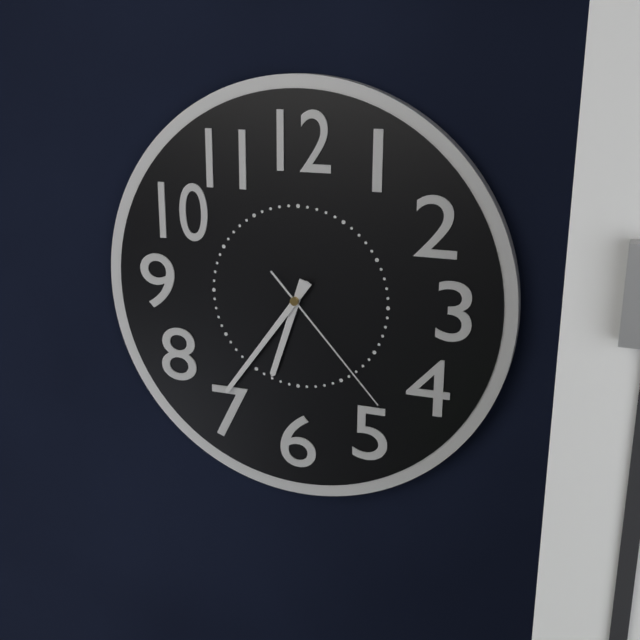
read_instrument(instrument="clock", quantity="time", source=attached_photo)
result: 6:36:23
